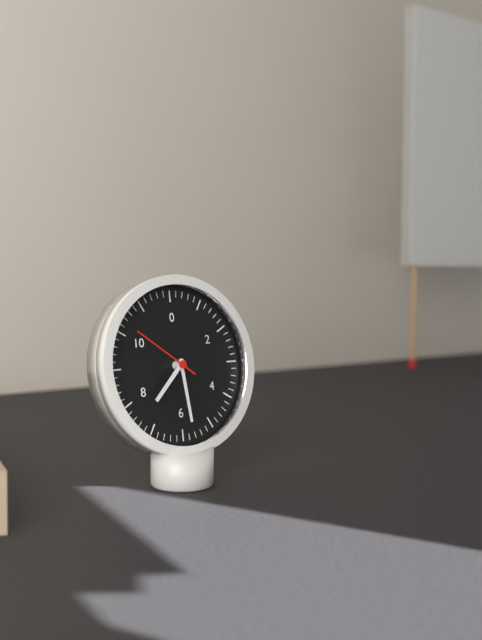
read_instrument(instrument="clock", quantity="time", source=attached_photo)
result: 7:29:51
